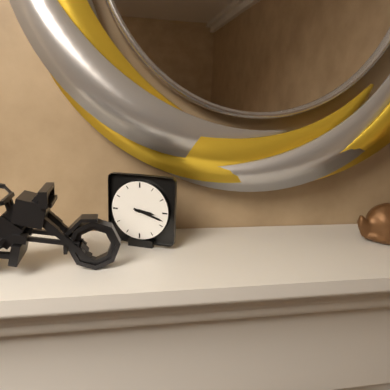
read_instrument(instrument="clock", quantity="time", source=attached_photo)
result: 3:18
